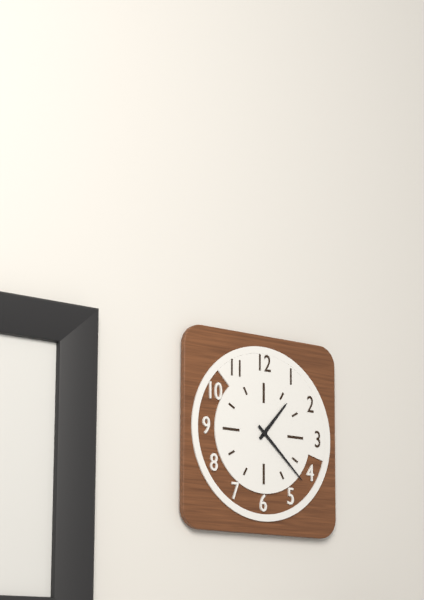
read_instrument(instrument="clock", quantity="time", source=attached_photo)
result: 1:22
